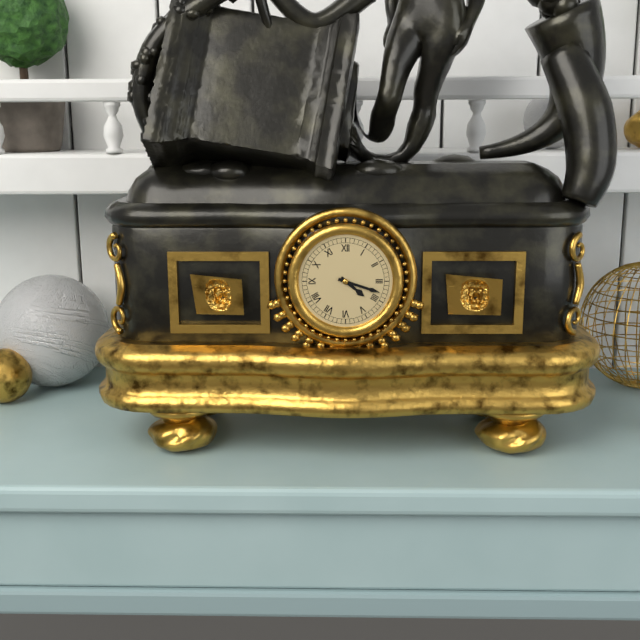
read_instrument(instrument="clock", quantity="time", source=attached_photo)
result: 4:18
